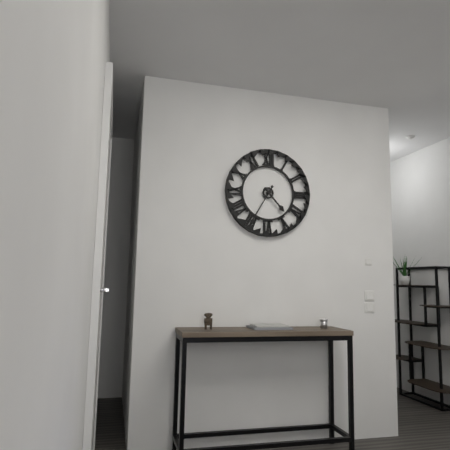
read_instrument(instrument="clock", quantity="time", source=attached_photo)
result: 4:35
